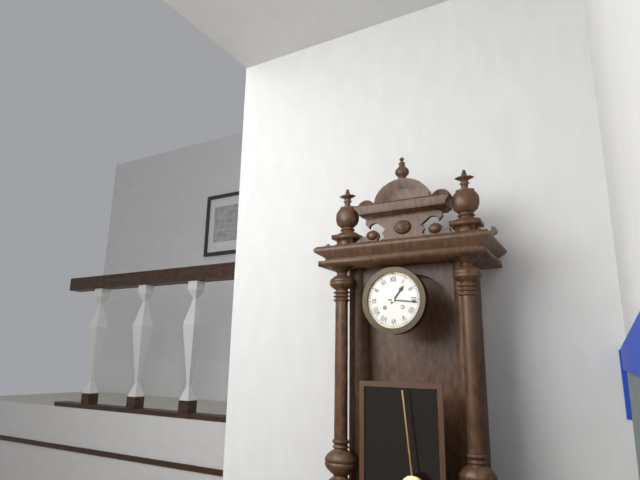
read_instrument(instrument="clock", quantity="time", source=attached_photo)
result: 1:16
